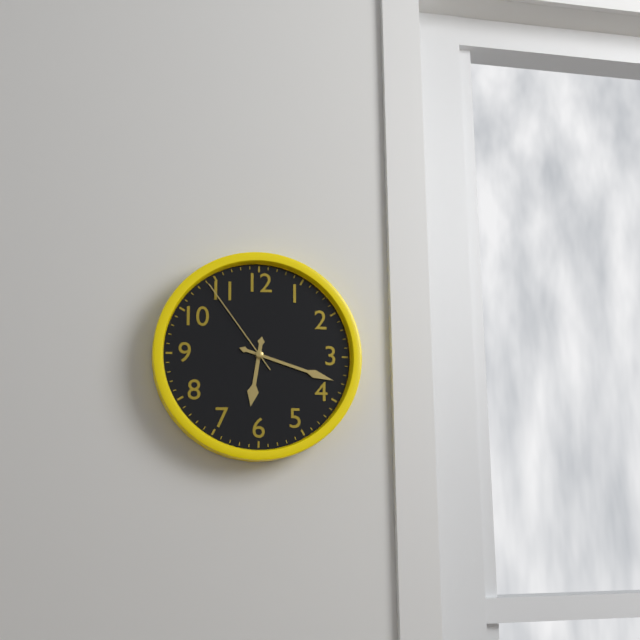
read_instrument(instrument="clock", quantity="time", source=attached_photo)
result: 6:18:54
